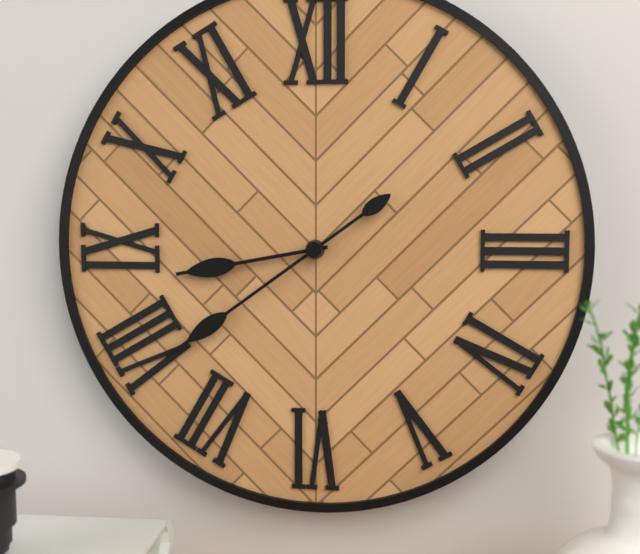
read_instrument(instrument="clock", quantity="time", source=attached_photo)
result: 8:39
